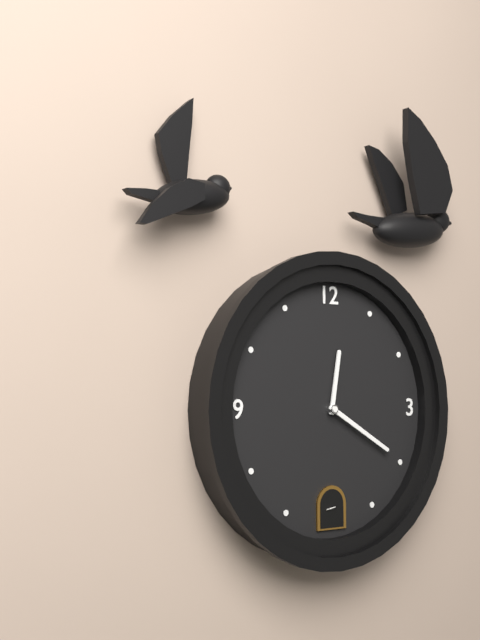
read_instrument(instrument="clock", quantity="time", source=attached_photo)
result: 12:20
